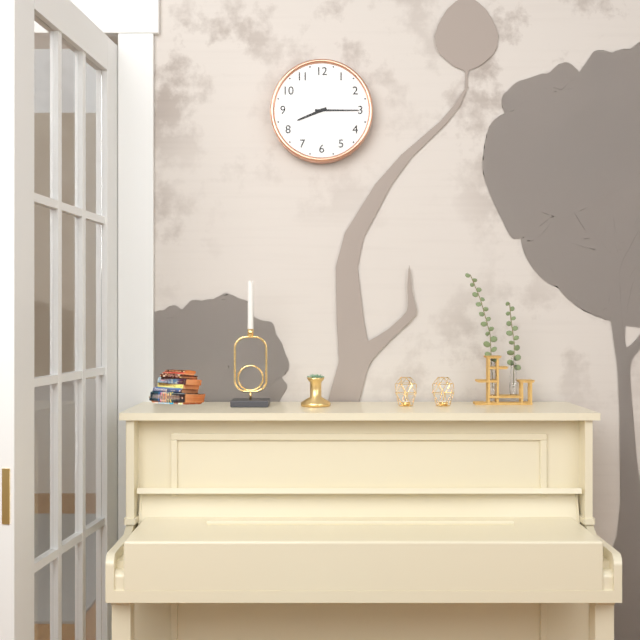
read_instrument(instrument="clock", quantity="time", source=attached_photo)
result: 8:15
